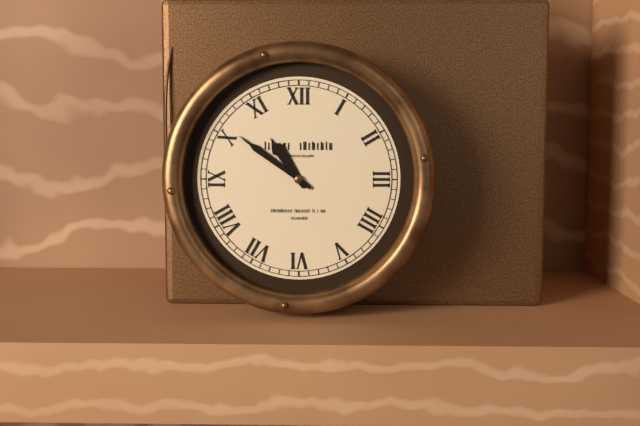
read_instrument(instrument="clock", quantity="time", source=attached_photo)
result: 10:51
